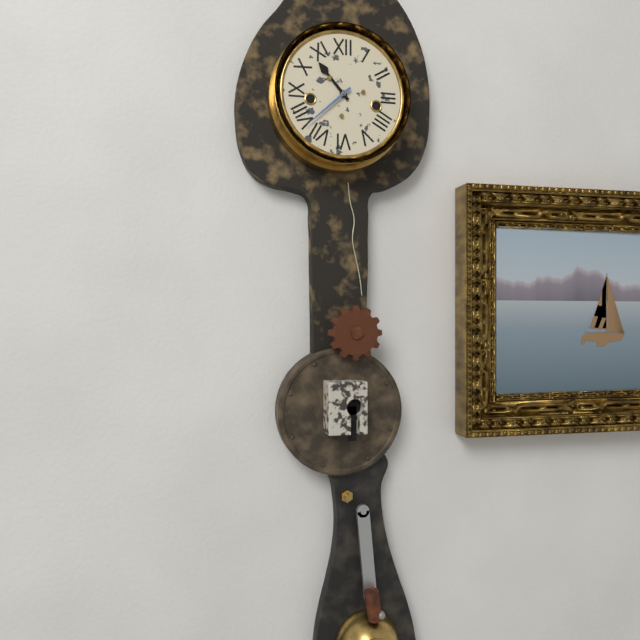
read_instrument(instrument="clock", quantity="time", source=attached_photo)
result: 10:38
